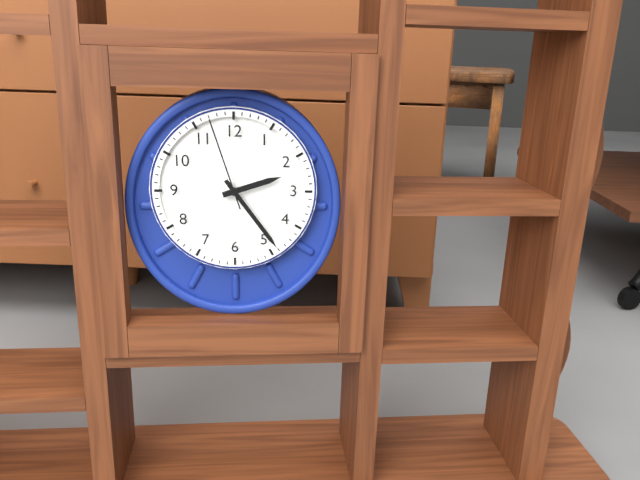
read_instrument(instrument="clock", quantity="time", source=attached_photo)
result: 2:24:57
